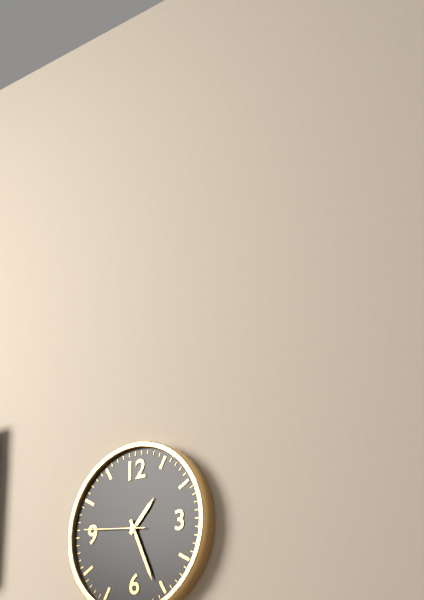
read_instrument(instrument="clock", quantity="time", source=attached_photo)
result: 1:26:46
